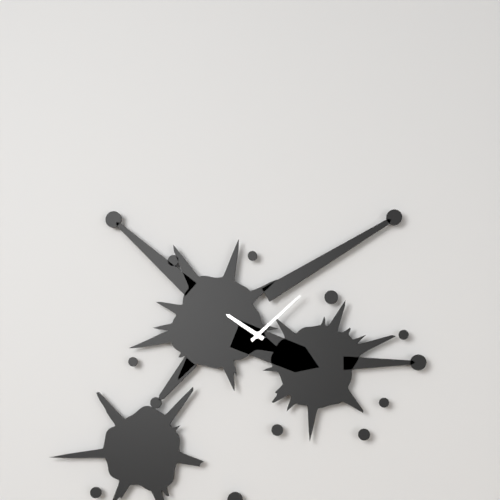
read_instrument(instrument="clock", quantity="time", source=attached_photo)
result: 10:08
